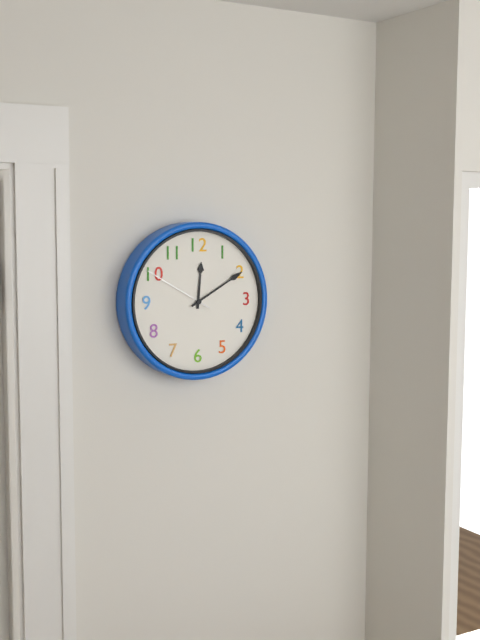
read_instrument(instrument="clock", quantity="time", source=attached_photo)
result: 12:10:50
